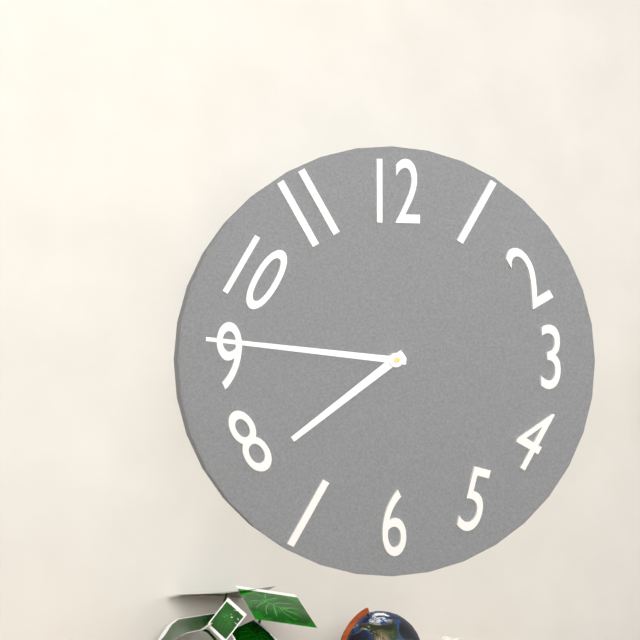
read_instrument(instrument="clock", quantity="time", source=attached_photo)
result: 7:46
